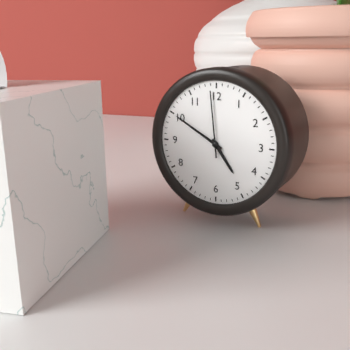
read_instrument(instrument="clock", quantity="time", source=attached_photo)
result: 4:50:59
